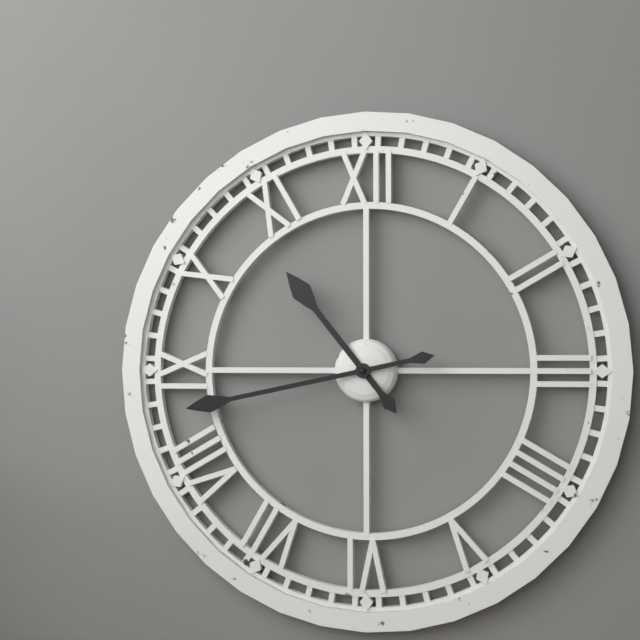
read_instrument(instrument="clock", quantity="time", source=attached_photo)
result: 10:43
